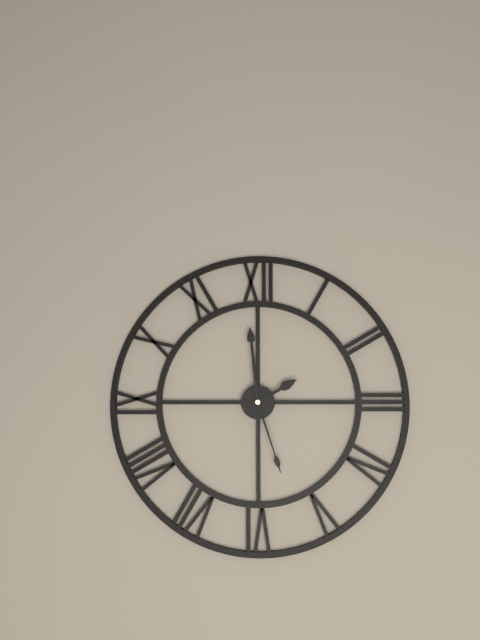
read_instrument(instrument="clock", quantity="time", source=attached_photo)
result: 1:59:27
